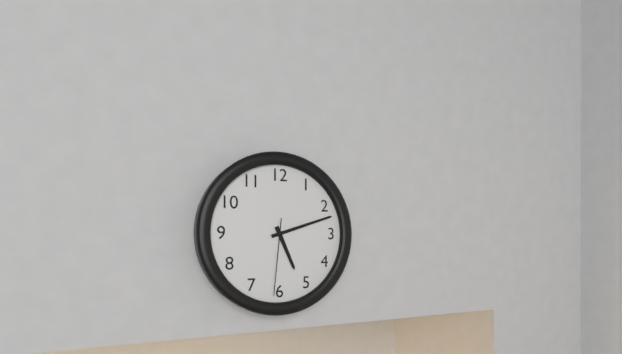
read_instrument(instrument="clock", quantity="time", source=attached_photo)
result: 5:12:31
